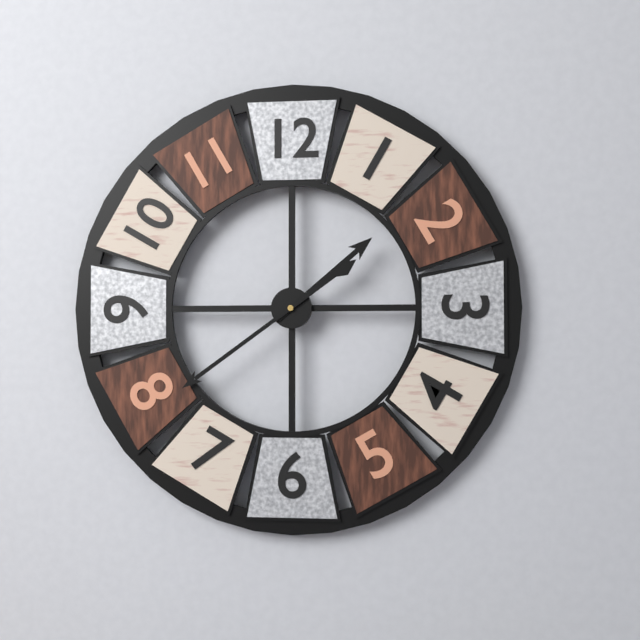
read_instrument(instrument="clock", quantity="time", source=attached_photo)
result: 1:39
